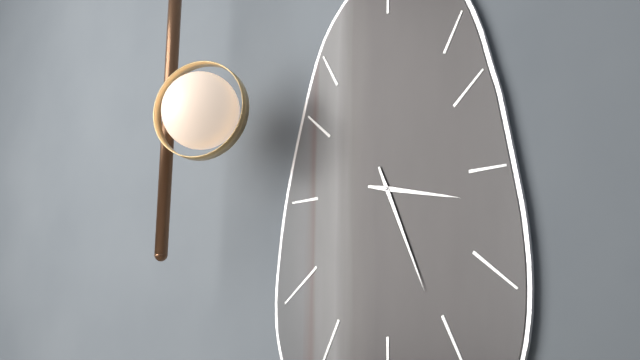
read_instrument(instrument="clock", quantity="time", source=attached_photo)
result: 3:26
